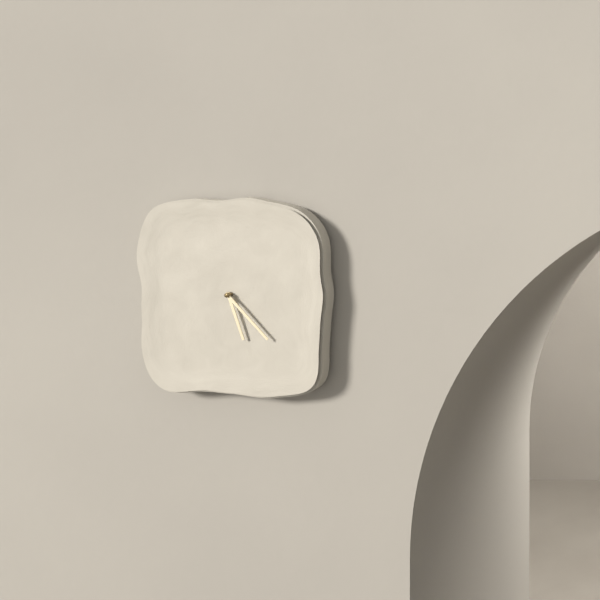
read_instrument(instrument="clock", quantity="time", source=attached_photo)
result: 5:23
